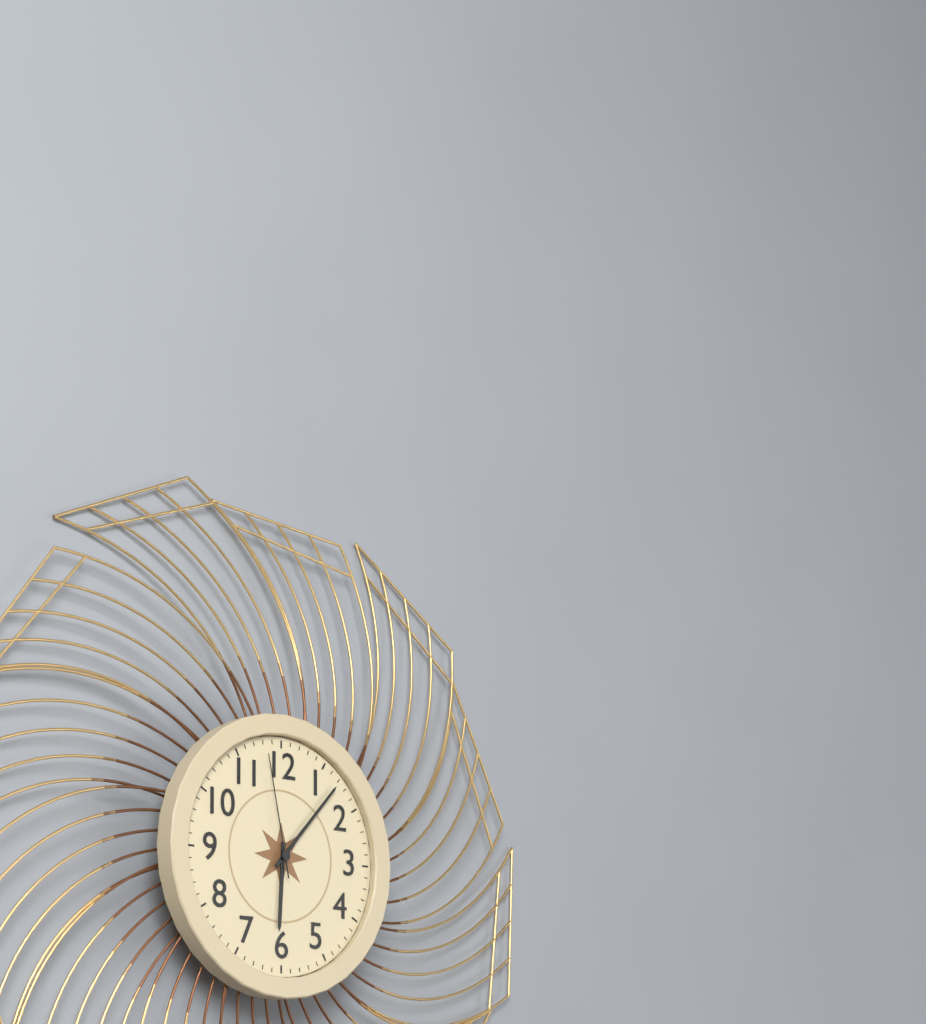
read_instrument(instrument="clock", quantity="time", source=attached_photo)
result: 6:07:58
